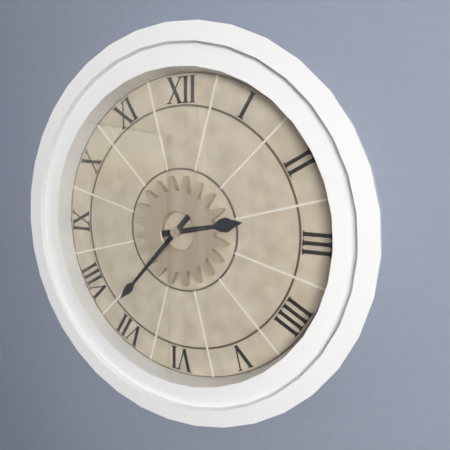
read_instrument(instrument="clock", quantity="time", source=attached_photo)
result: 2:37
